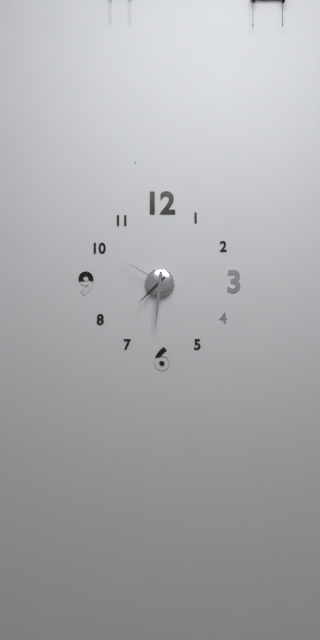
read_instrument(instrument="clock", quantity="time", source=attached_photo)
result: 7:31:50
